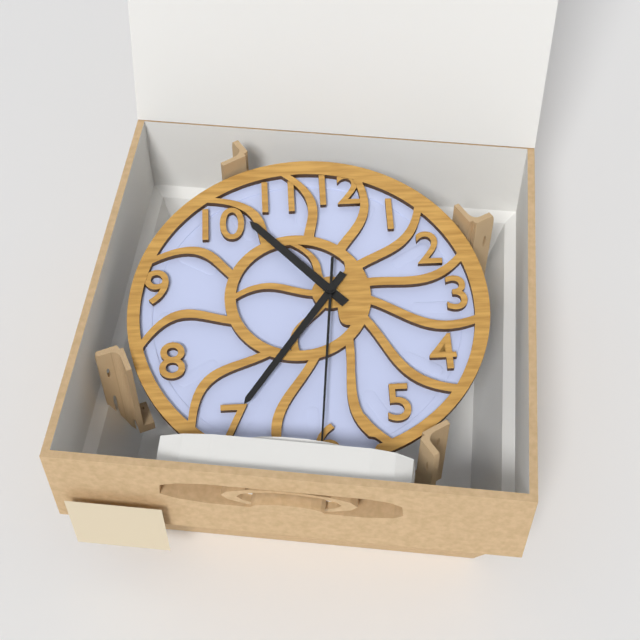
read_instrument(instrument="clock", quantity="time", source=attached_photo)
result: 10:36:31
